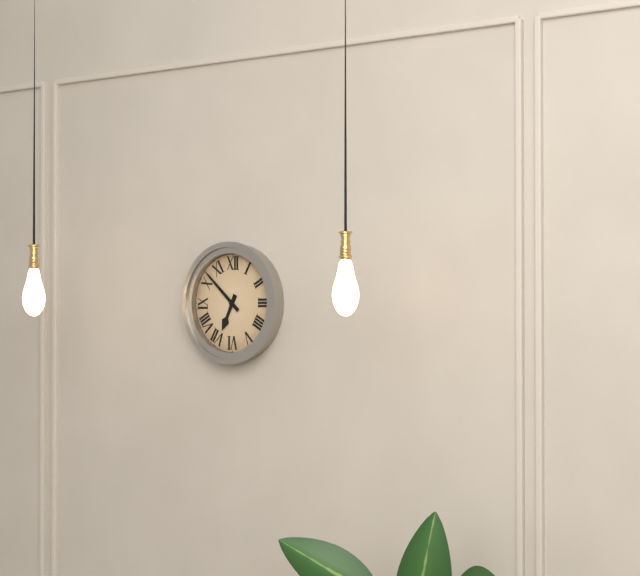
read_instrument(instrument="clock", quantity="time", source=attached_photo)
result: 6:52
